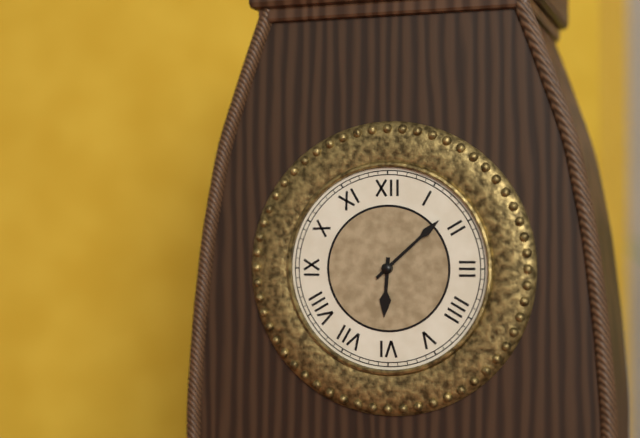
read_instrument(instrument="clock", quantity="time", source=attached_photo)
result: 6:08
